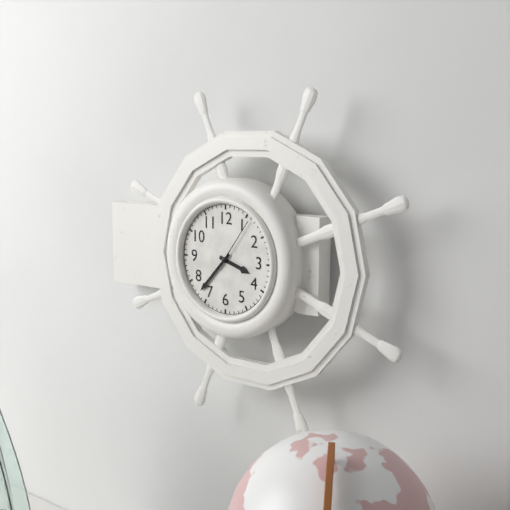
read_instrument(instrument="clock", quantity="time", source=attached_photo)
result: 3:37:06
